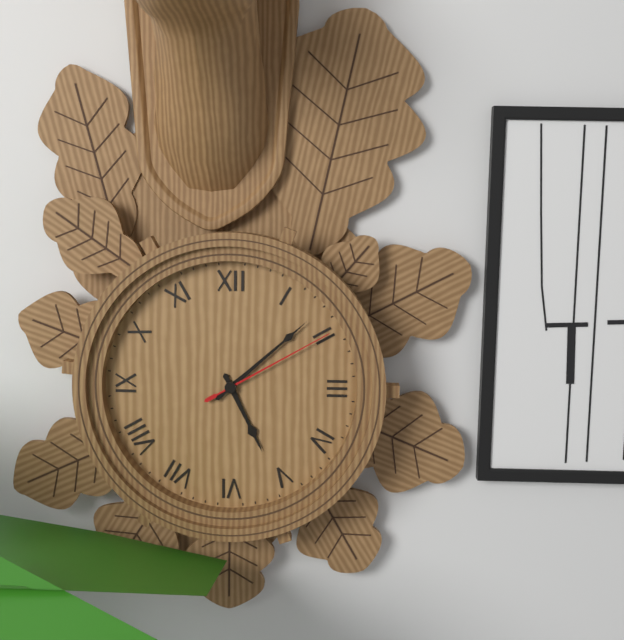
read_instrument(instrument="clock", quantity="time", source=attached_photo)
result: 5:08:10
